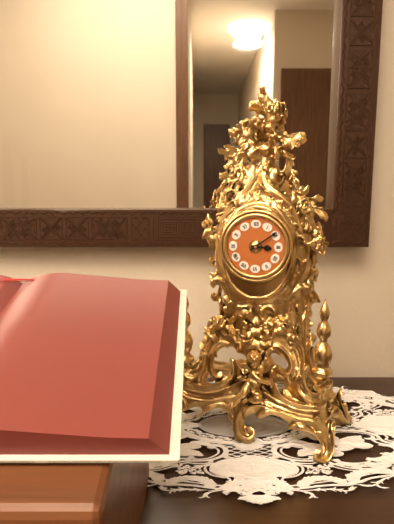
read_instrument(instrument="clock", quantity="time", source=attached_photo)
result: 3:09
